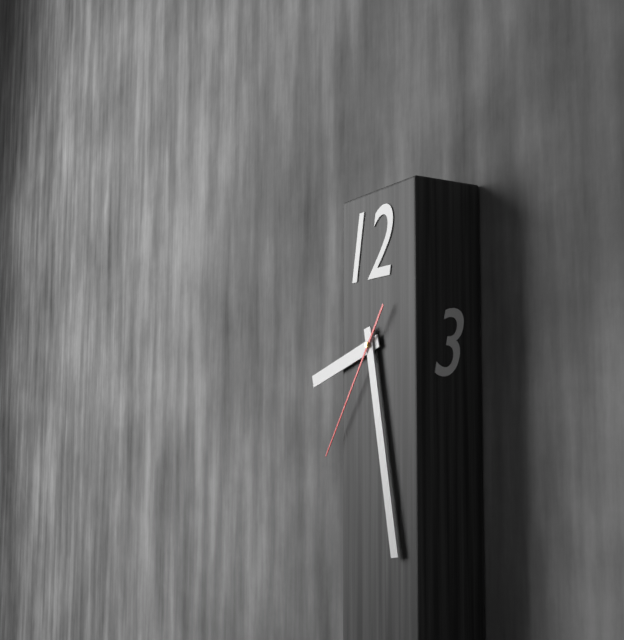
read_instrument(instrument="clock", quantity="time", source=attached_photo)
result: 8:28:36
